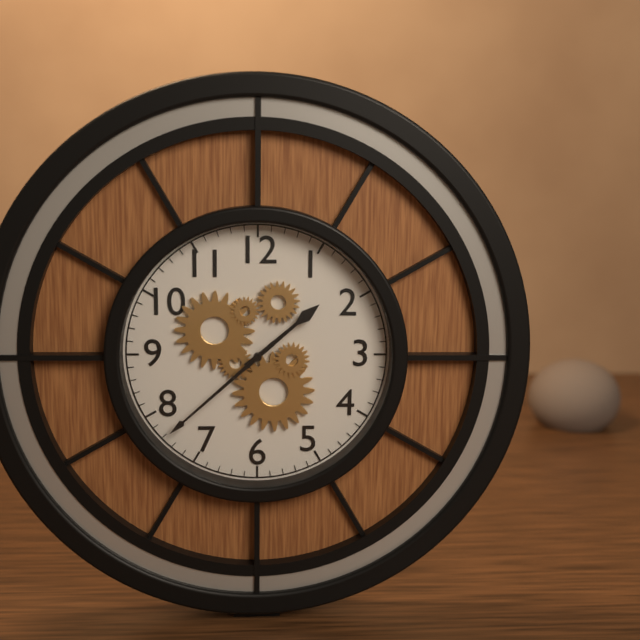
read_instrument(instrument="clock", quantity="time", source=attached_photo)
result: 1:38
